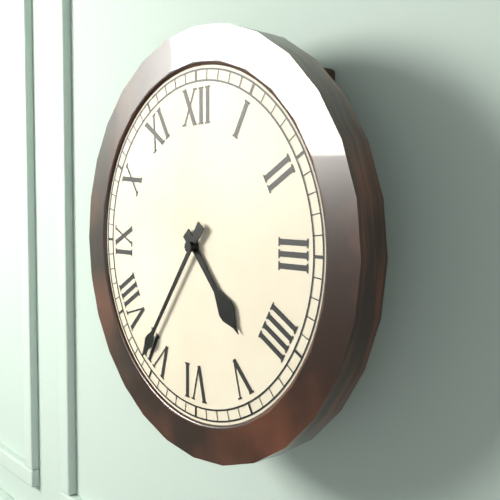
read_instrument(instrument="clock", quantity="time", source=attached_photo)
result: 4:36
